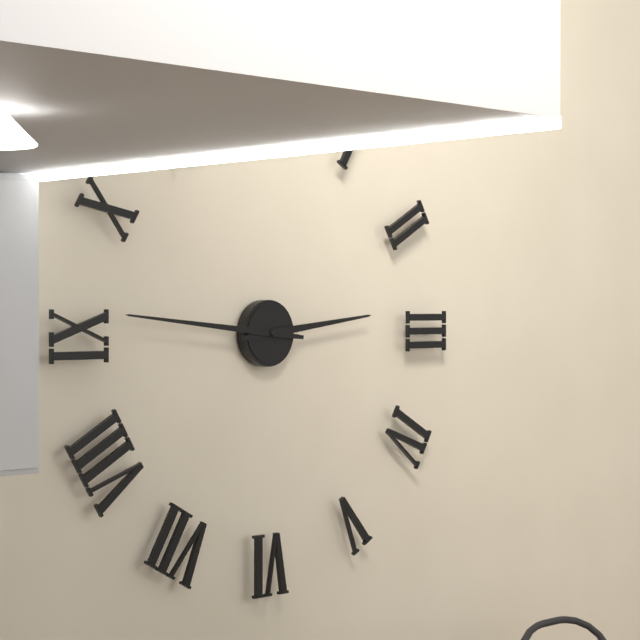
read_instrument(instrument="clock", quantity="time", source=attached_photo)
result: 2:46
